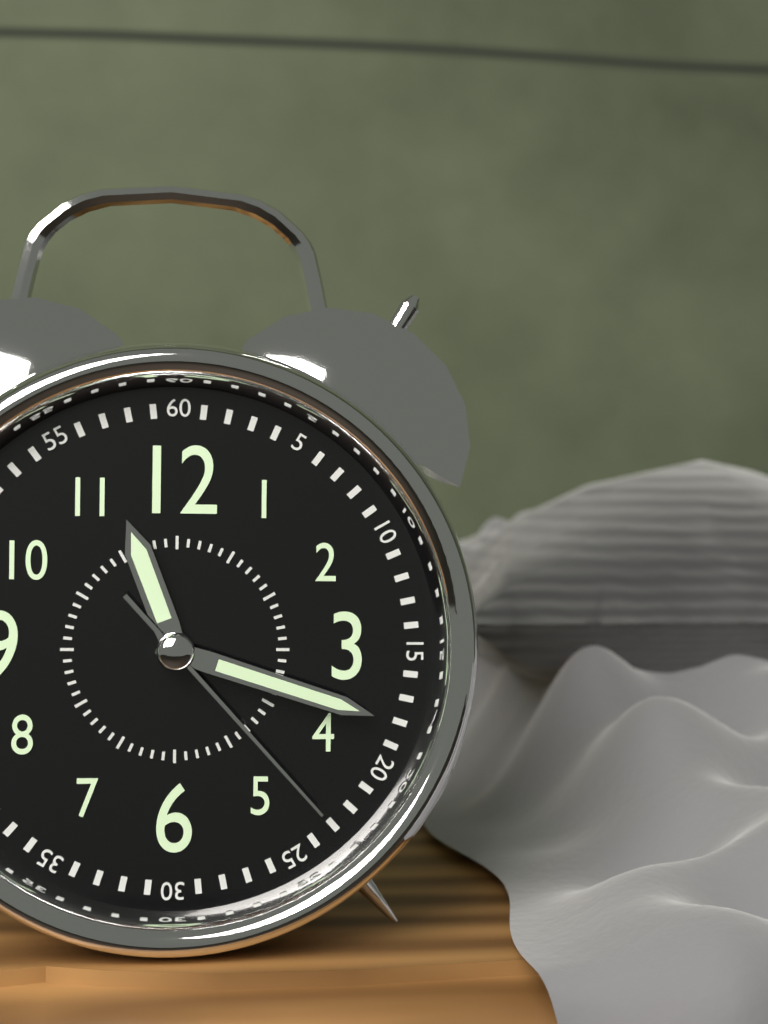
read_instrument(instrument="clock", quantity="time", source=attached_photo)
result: 11:18:23
